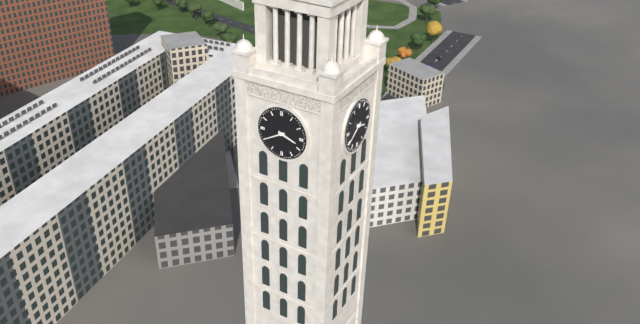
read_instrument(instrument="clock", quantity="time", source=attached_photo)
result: 3:40
